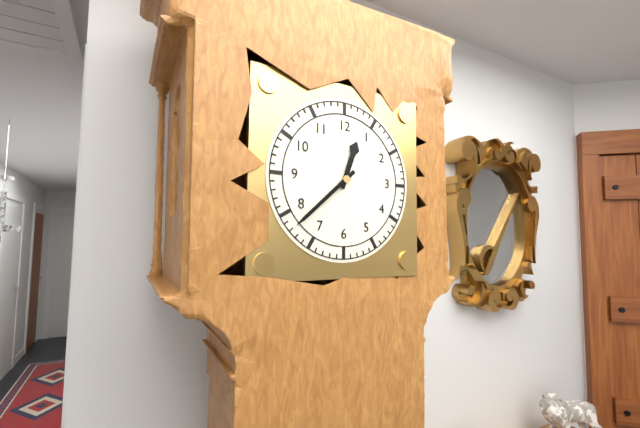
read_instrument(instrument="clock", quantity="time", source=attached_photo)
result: 12:38
